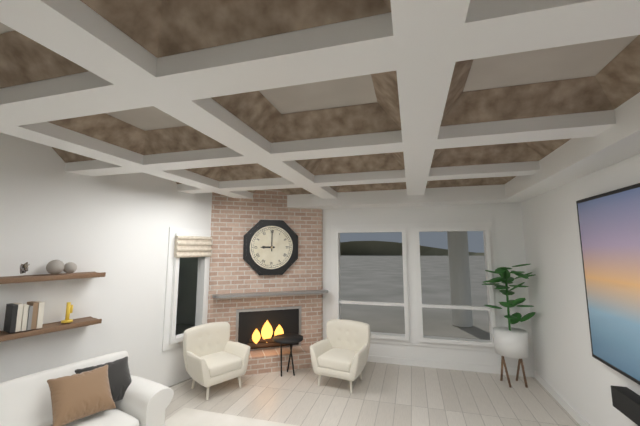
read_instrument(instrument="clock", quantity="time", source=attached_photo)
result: 9:00
